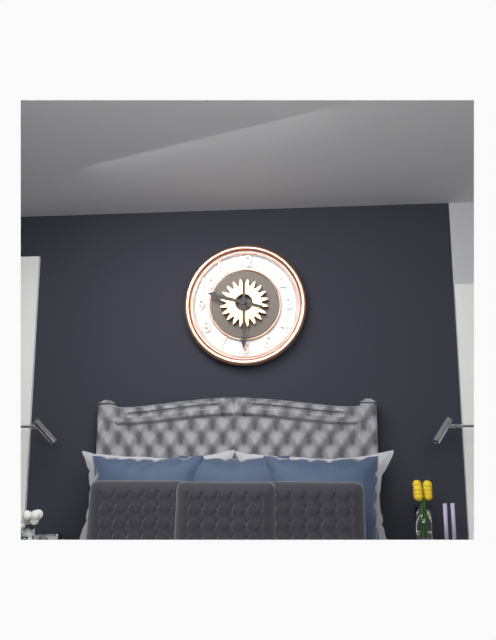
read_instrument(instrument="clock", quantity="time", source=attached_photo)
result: 9:30
